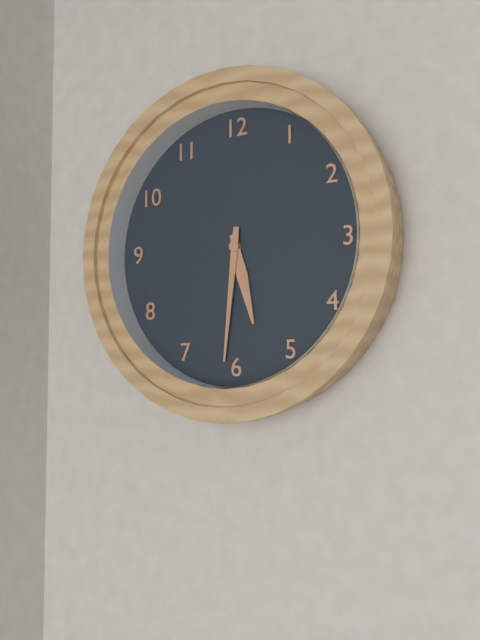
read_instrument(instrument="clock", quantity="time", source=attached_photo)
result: 5:31
